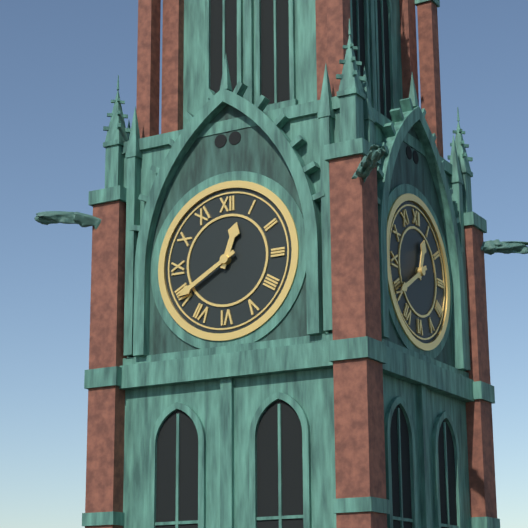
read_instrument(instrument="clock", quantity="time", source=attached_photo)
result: 12:40
